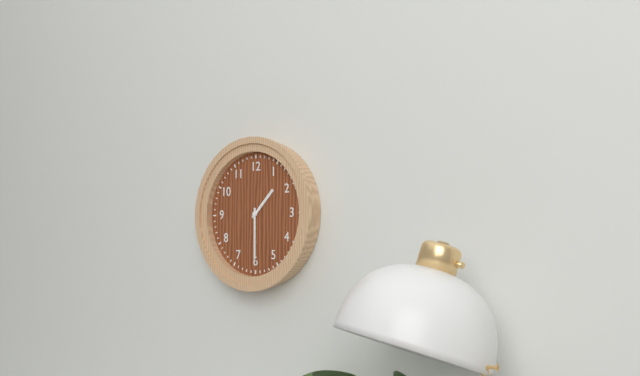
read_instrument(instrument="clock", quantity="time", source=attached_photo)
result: 1:30
